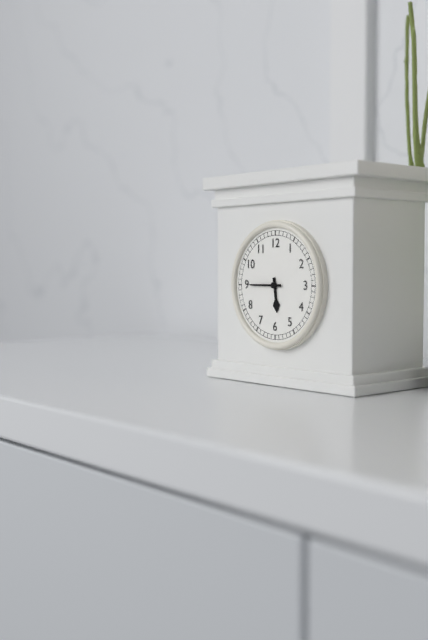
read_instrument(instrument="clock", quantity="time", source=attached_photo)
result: 5:45
